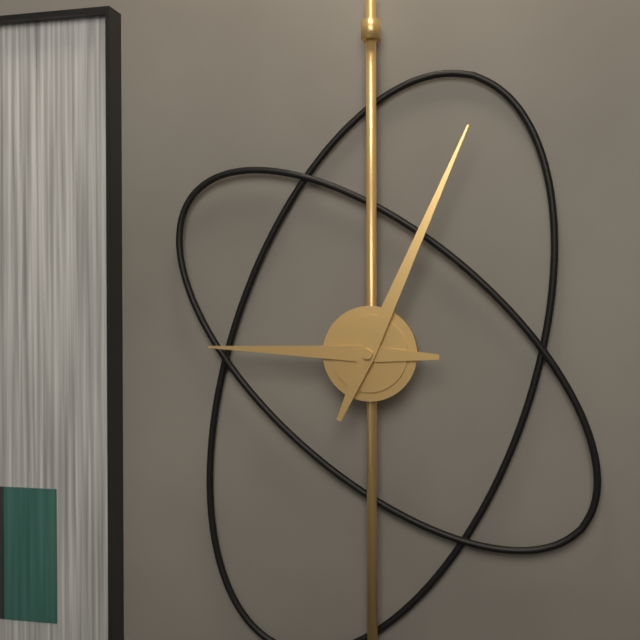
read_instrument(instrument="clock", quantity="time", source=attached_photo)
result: 9:04
